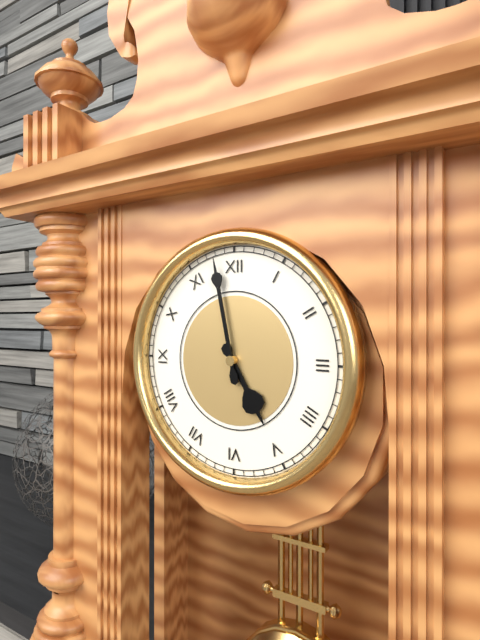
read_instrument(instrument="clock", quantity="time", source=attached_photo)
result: 4:58
